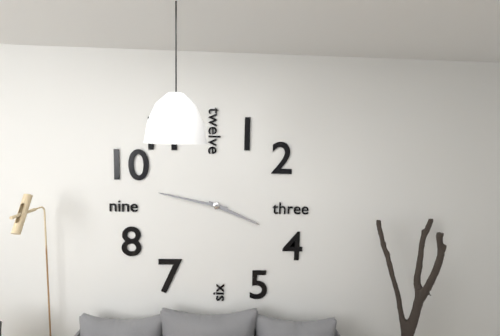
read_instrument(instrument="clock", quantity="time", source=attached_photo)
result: 3:47
